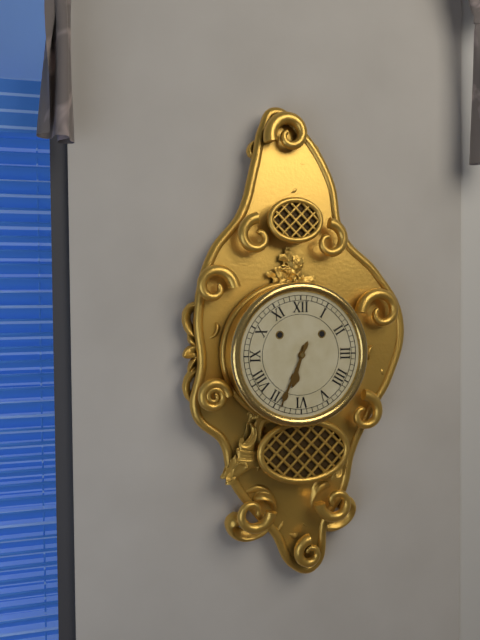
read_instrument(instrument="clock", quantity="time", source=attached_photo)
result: 6:34
